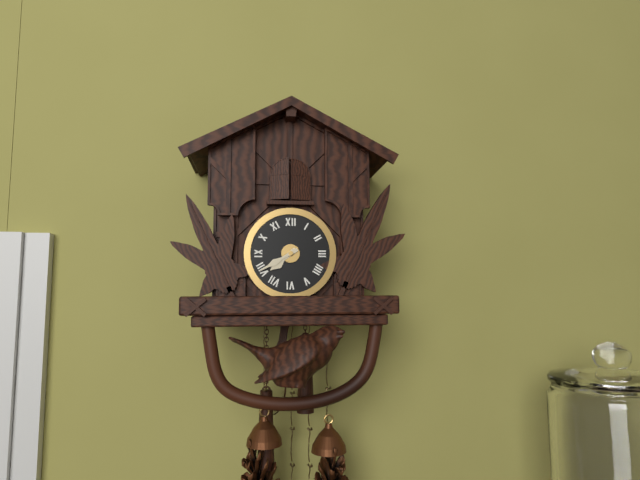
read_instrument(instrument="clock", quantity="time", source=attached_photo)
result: 7:40
